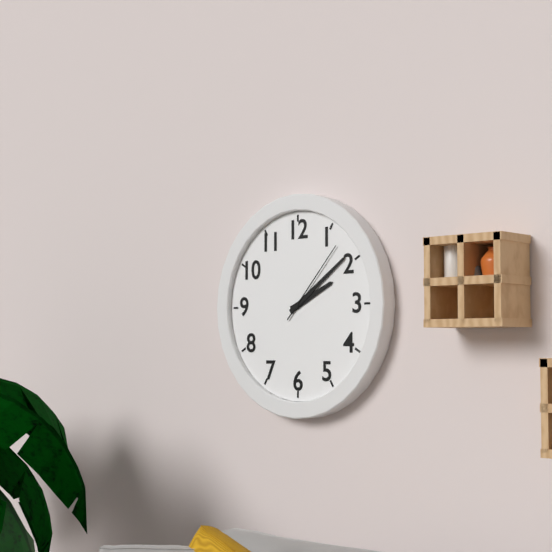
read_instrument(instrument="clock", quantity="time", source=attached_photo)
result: 2:09:07
